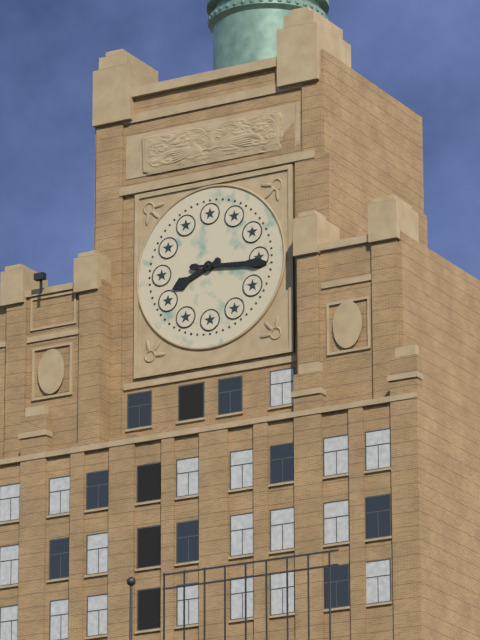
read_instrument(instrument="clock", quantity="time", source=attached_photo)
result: 8:16
